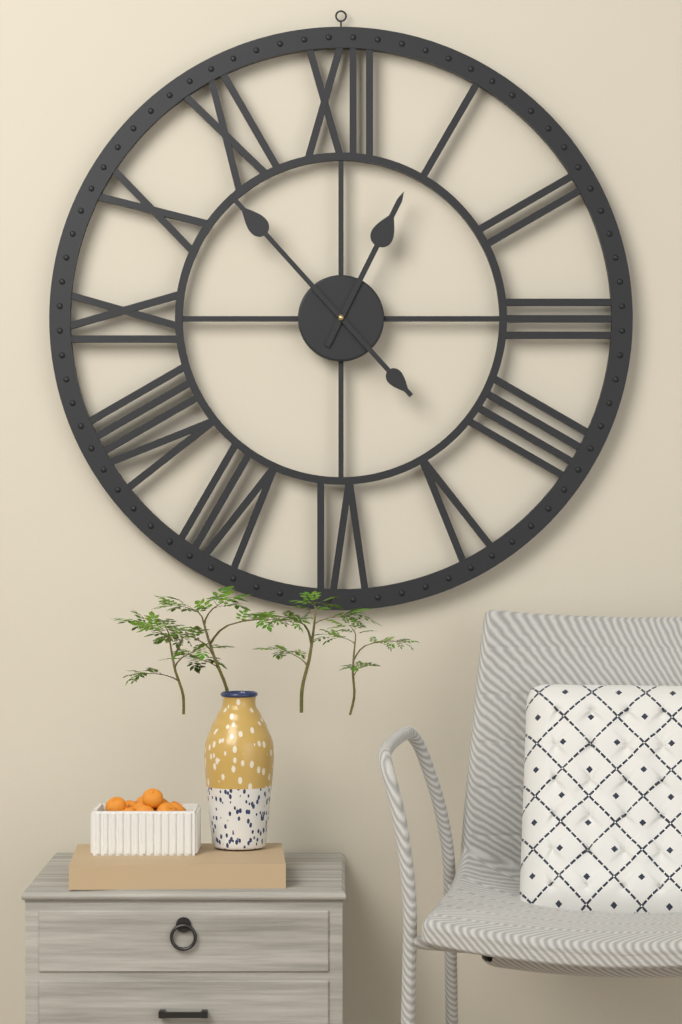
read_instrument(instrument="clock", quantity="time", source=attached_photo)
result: 12:53
